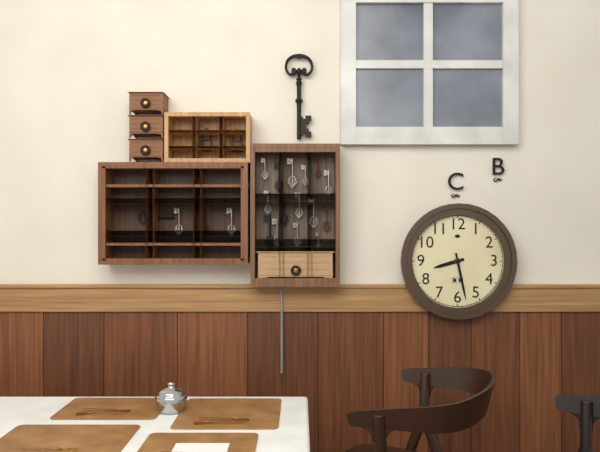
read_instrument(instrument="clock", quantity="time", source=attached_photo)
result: 8:28
